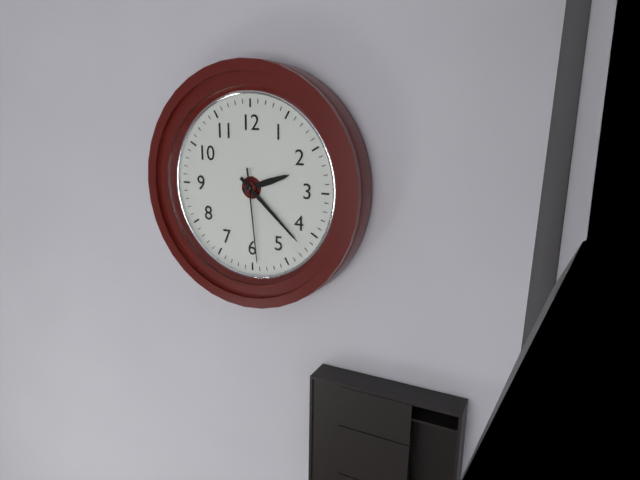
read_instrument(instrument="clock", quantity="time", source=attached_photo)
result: 2:22:29
